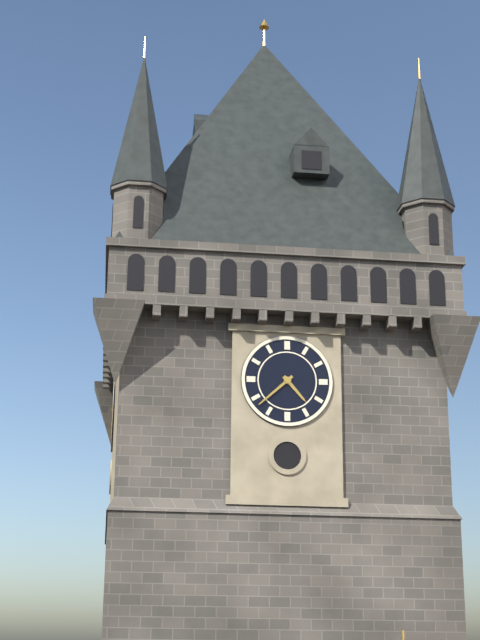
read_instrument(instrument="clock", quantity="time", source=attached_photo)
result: 4:38
